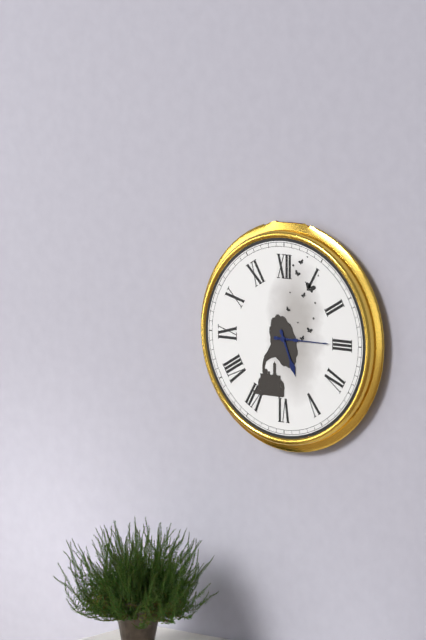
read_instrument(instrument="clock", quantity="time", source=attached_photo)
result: 5:15
